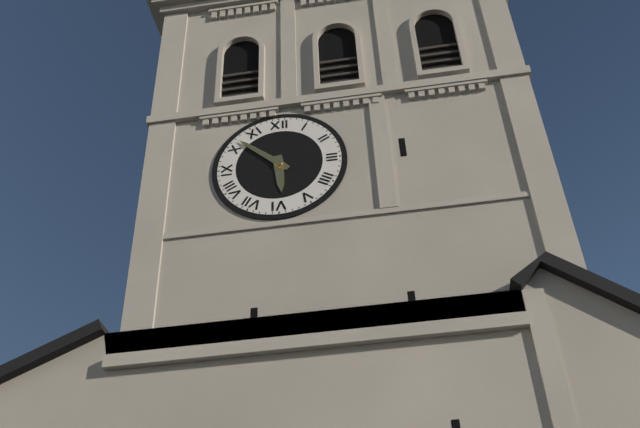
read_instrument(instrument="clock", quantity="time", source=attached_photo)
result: 5:52
